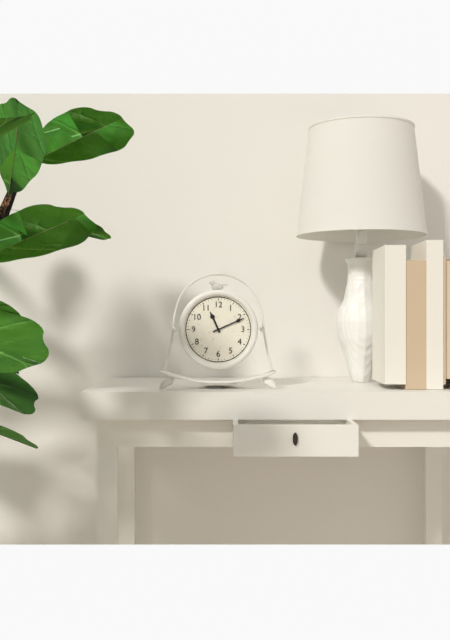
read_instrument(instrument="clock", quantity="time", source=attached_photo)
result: 11:11
